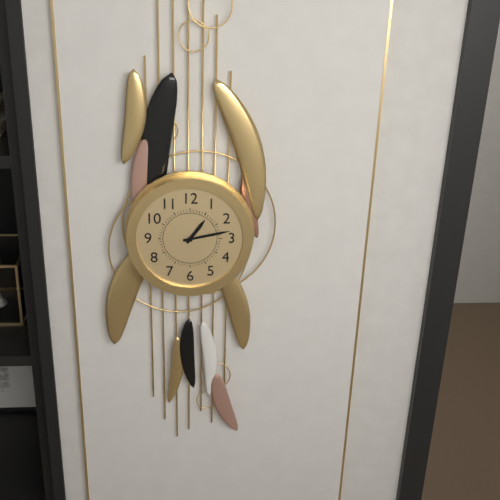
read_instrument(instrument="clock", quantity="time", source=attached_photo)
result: 1:13
